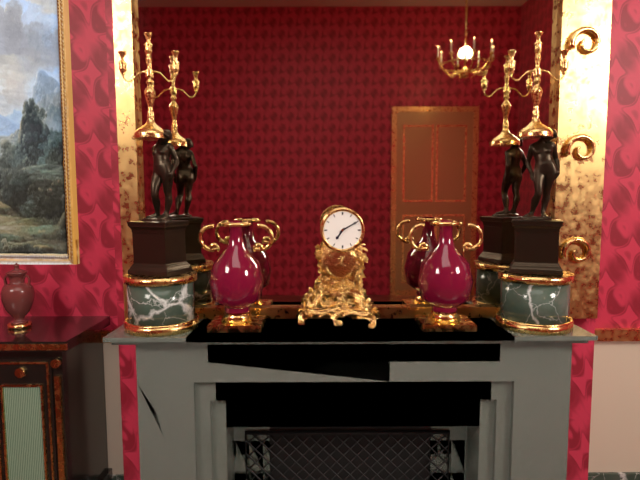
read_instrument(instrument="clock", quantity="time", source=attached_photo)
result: 7:10
